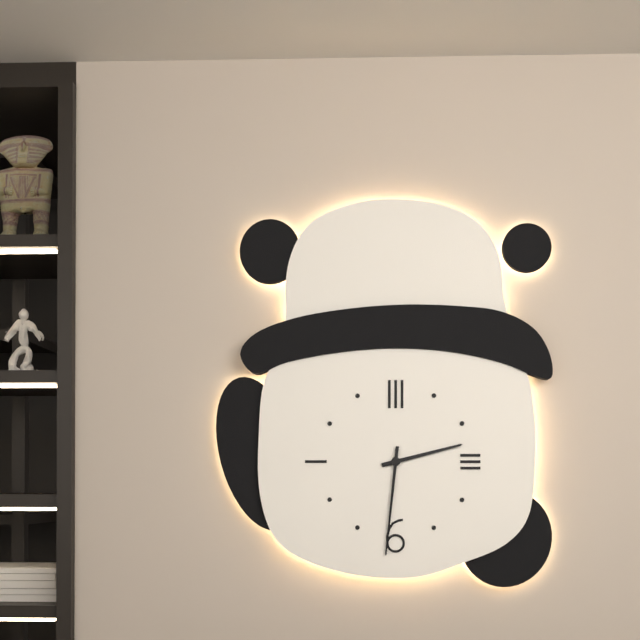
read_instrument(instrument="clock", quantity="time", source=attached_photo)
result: 2:31
